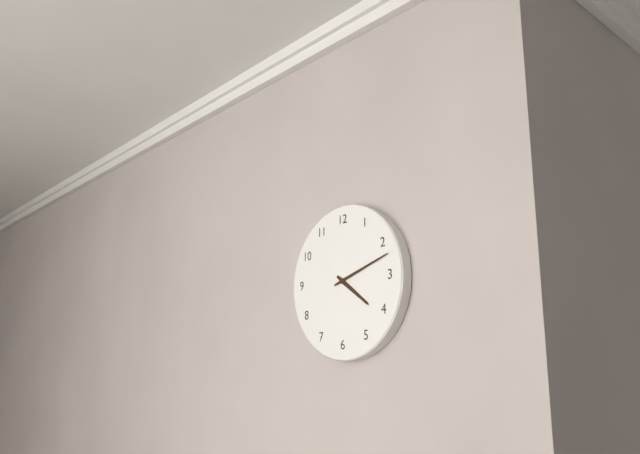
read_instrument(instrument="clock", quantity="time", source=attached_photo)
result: 4:12
